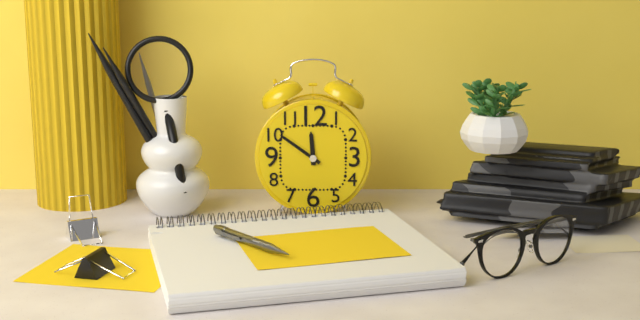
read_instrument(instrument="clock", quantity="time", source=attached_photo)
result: 11:51
